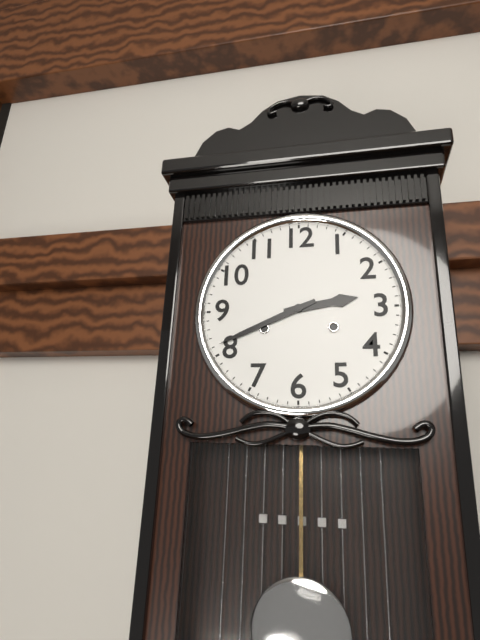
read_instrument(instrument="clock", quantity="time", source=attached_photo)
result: 2:41
